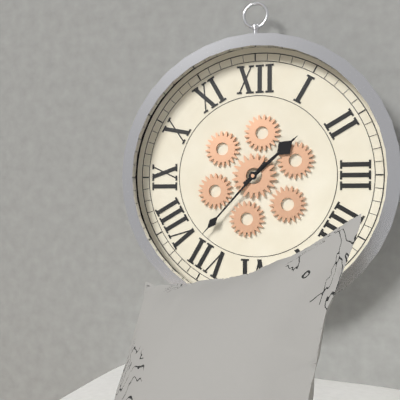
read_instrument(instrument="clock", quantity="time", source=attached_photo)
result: 1:37
